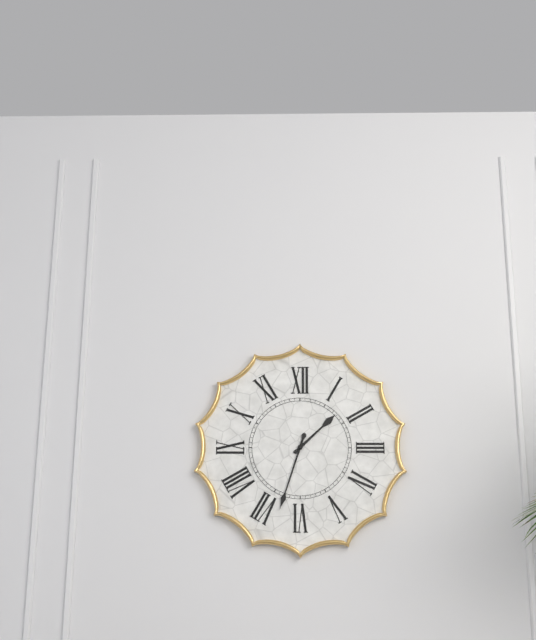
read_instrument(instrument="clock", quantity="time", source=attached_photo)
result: 1:33
